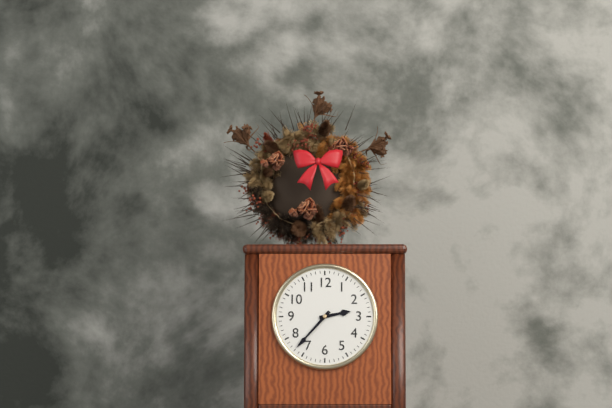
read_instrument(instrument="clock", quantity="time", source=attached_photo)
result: 2:37
